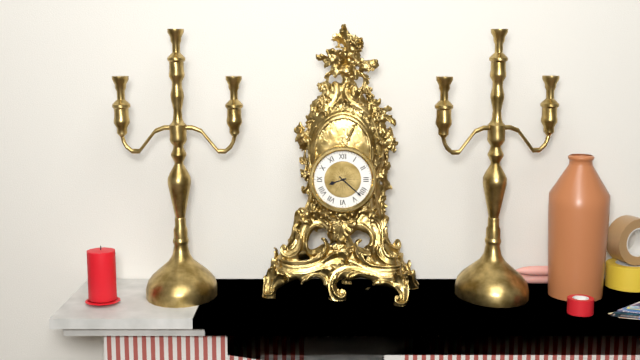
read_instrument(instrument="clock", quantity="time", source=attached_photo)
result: 8:22
